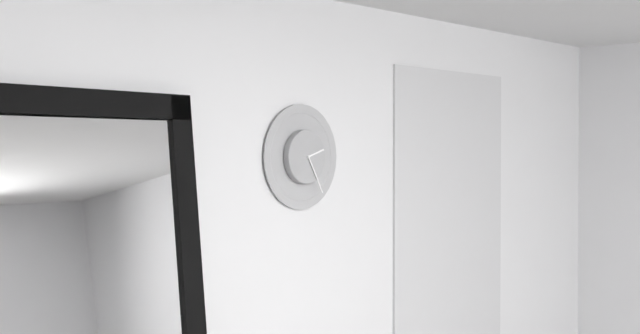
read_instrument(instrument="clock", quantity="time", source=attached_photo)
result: 2:25
